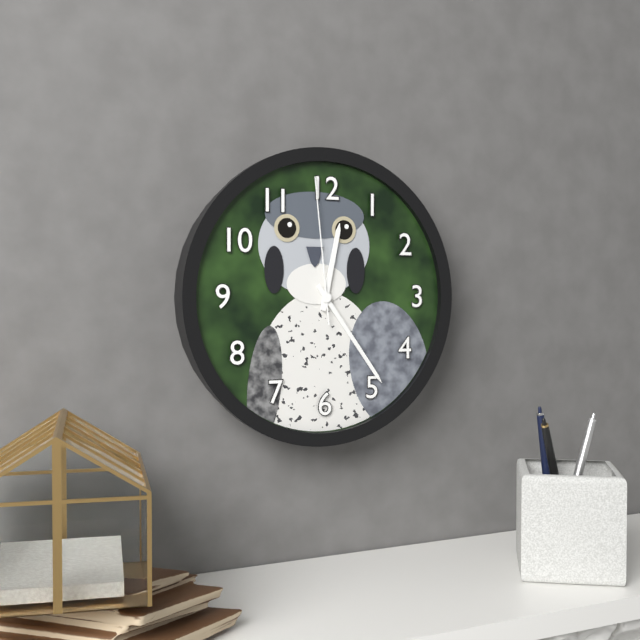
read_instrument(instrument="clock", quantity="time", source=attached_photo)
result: 12:24:59
